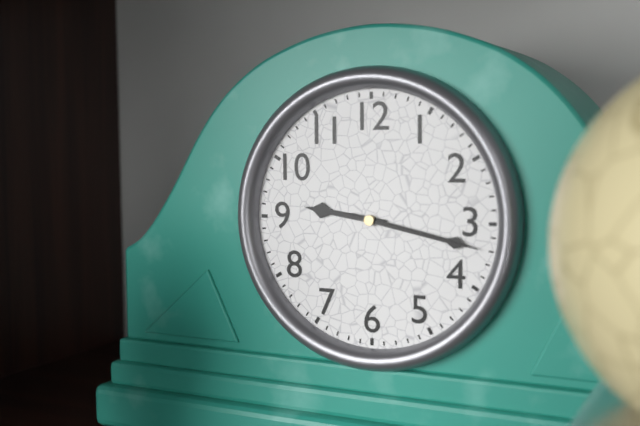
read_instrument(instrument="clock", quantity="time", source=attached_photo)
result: 9:17:17
